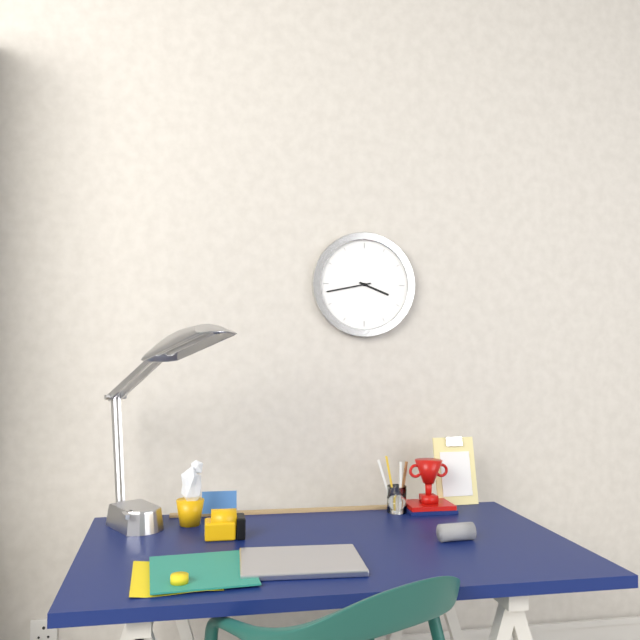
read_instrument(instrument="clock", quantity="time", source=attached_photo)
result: 3:43
